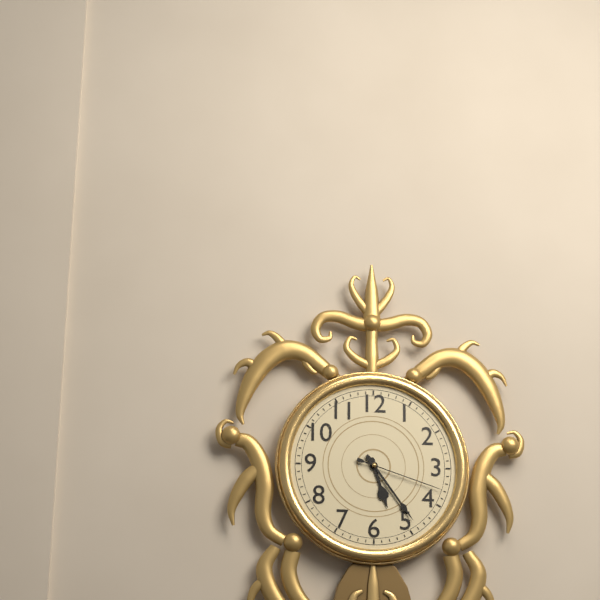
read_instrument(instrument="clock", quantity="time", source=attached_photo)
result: 5:24:18
